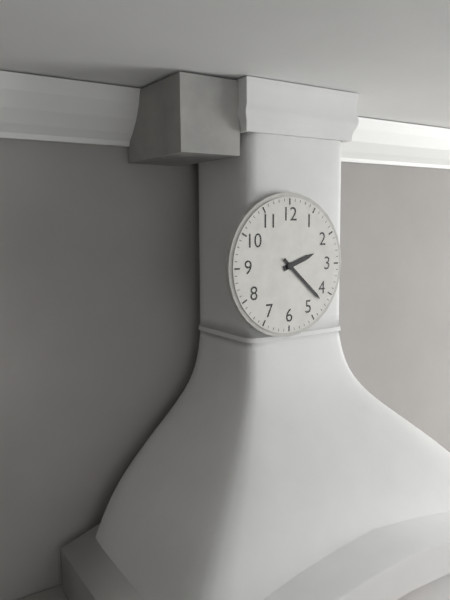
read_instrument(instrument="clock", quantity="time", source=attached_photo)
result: 2:22
